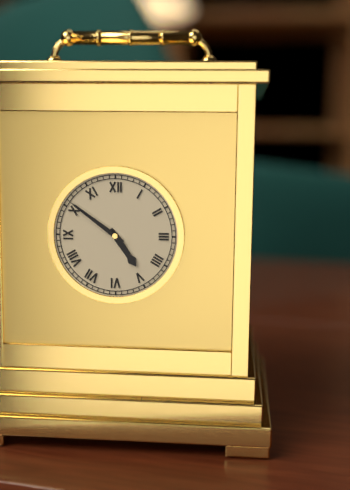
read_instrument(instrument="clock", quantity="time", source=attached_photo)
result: 4:51
